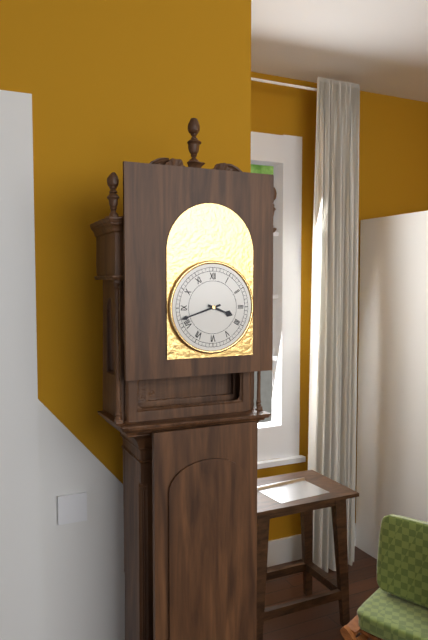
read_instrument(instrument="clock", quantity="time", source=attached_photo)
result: 3:42
